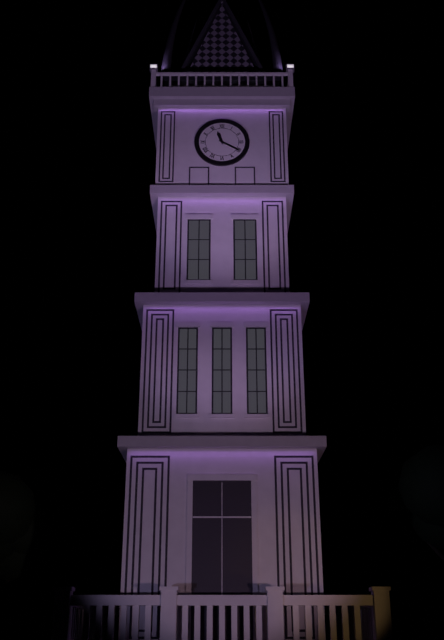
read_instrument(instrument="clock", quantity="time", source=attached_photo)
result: 11:20
